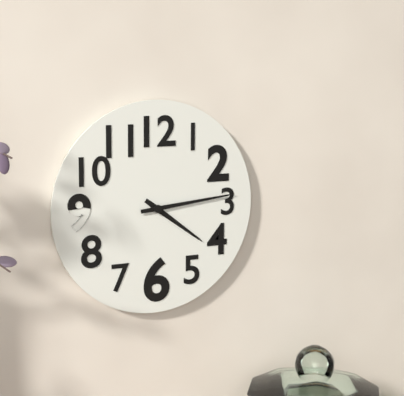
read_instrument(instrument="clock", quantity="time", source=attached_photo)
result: 4:14
